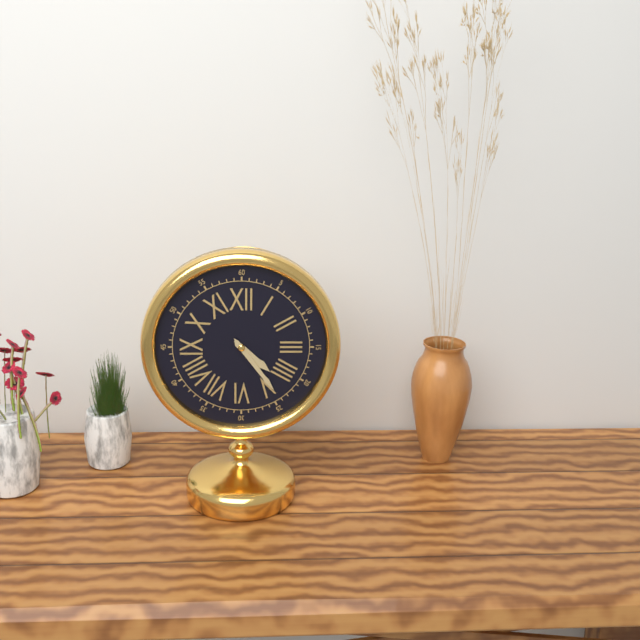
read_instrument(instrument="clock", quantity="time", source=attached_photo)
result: 4:24
